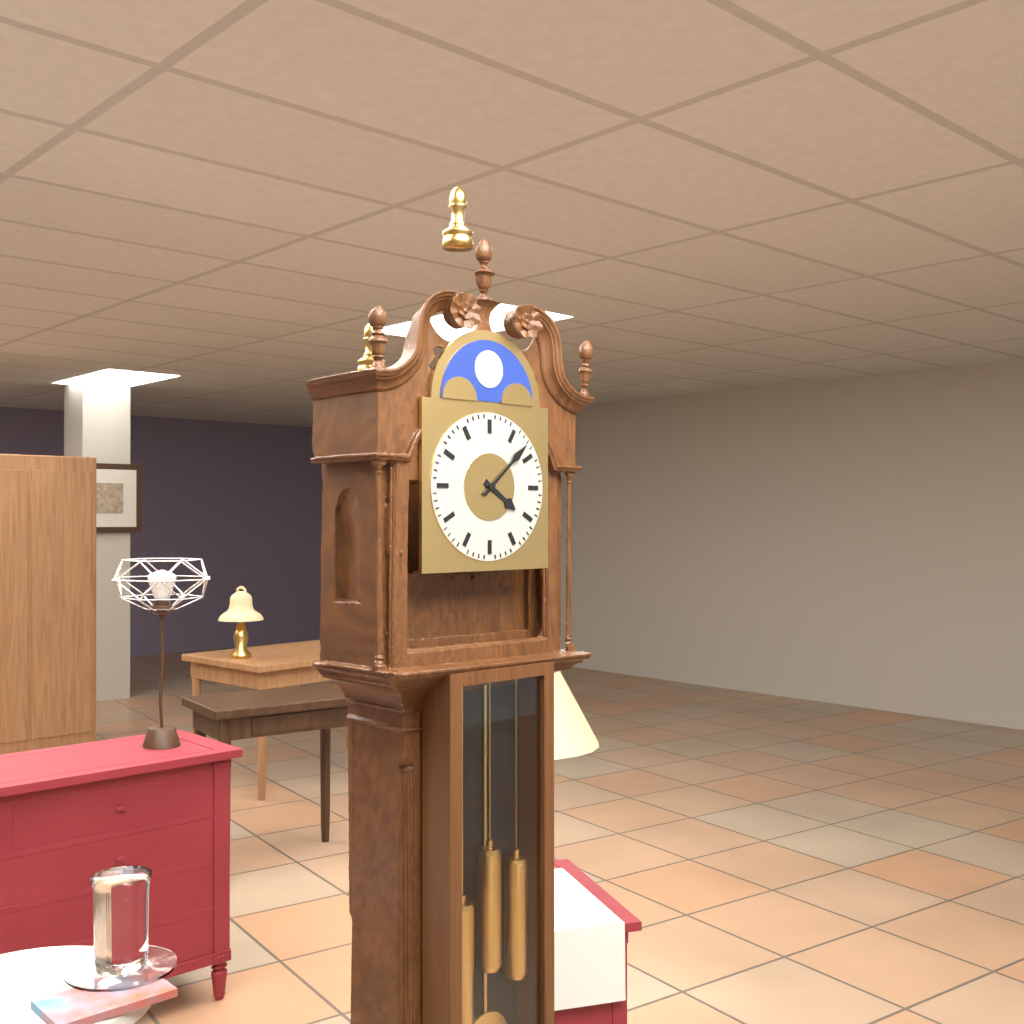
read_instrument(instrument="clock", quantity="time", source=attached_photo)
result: 4:08
